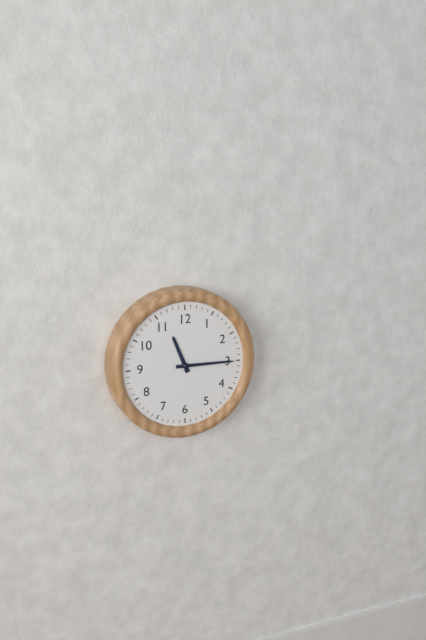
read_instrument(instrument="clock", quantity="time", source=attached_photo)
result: 11:15
